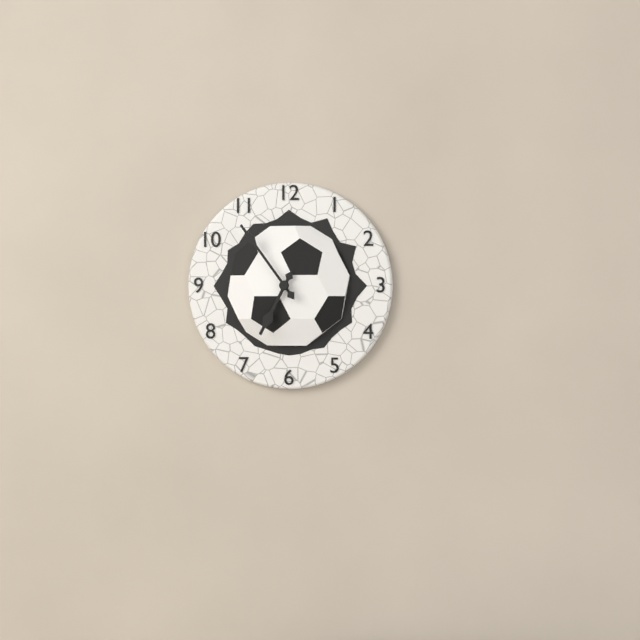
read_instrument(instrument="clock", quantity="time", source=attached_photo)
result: 6:54
